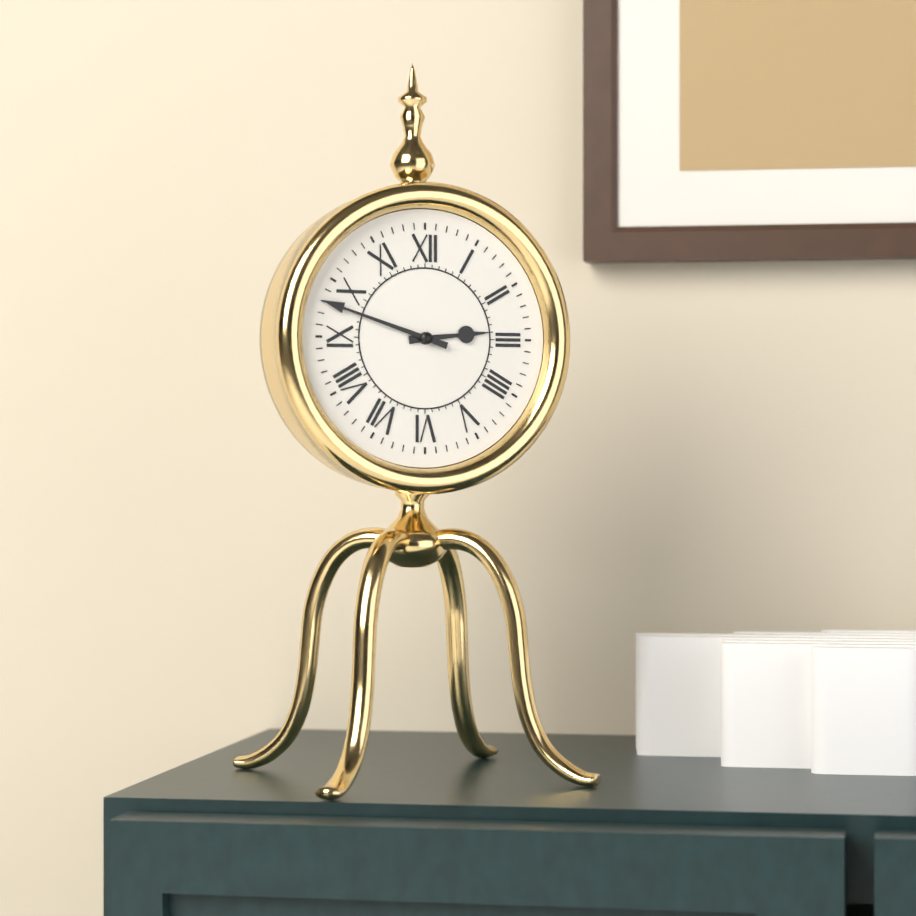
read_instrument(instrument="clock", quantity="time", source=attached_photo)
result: 2:48
